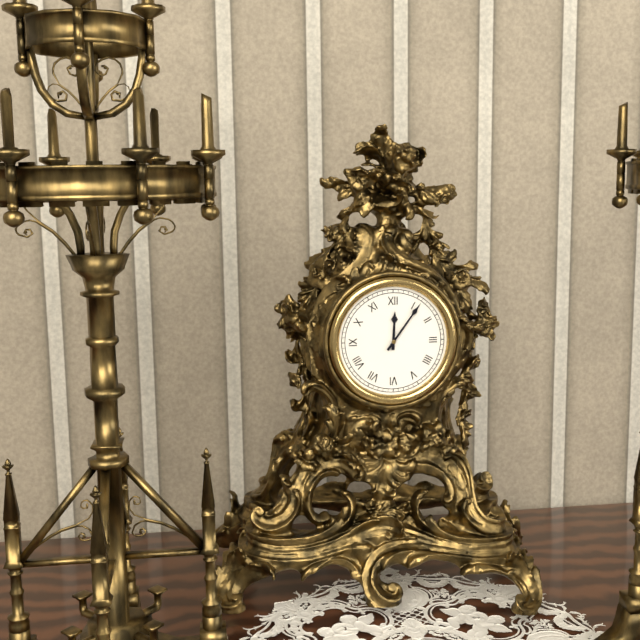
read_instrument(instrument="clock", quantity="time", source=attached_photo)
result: 12:06
